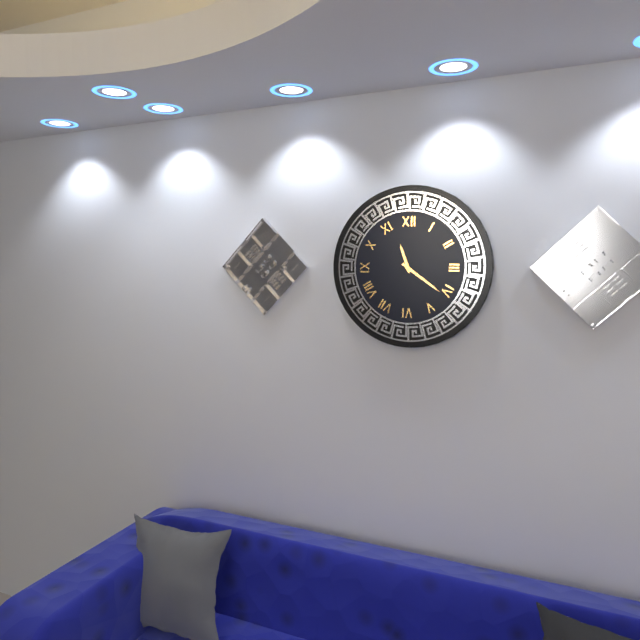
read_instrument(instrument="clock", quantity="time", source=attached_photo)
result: 11:21
